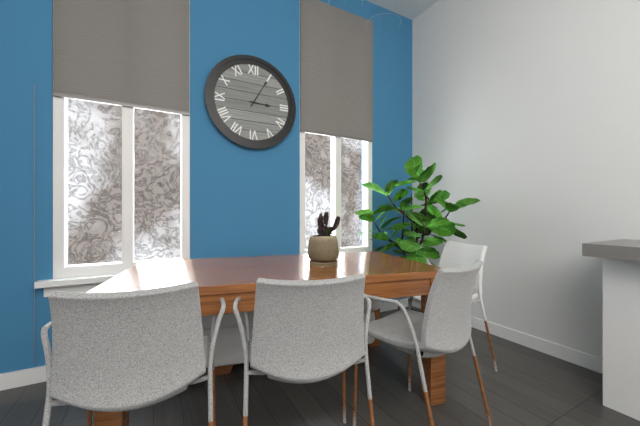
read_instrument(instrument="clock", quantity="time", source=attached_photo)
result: 3:05
